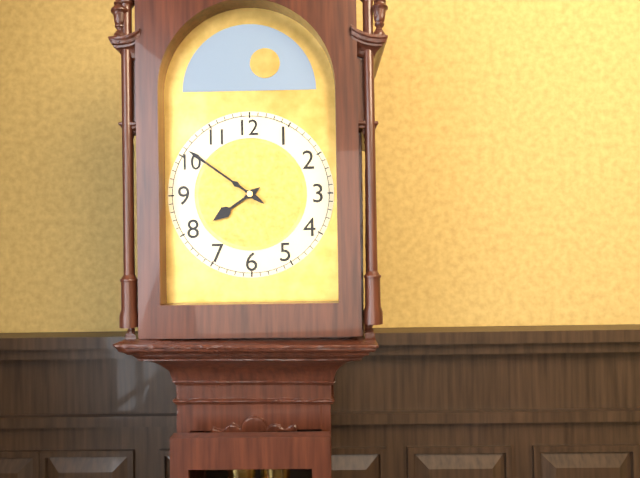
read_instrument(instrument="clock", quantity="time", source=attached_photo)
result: 7:51
